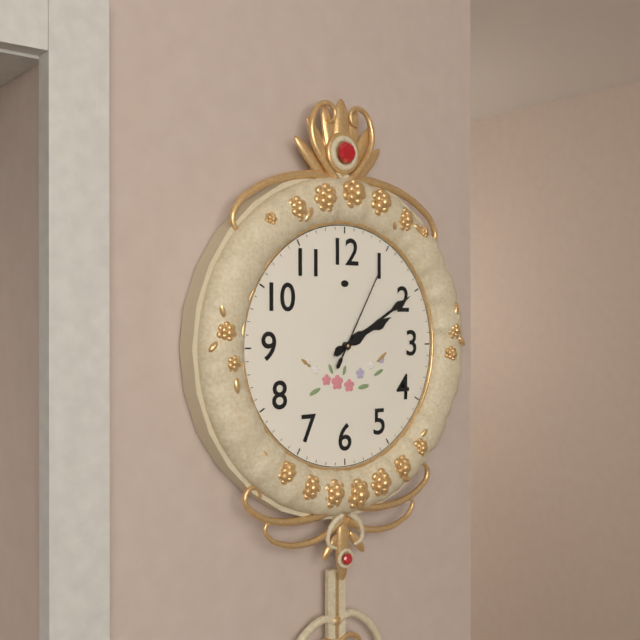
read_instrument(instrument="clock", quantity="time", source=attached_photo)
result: 2:10:05
